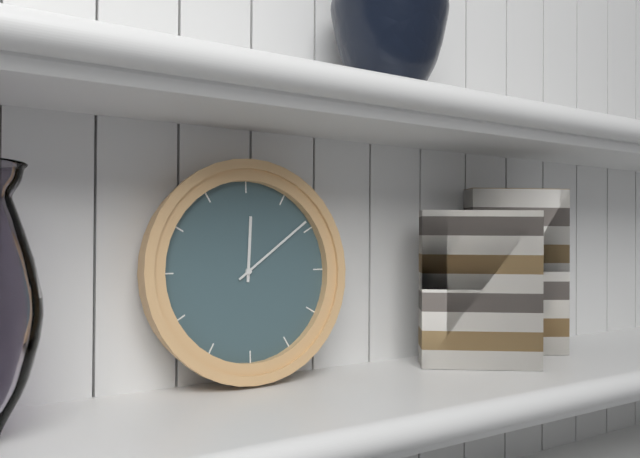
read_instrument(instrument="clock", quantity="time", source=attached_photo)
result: 12:09
